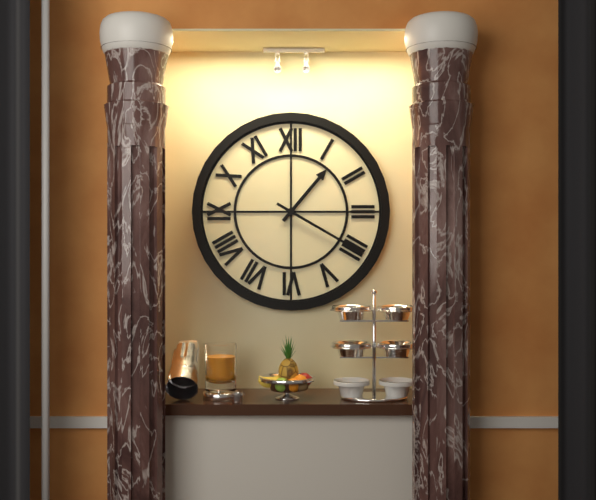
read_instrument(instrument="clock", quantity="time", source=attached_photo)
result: 1:20
